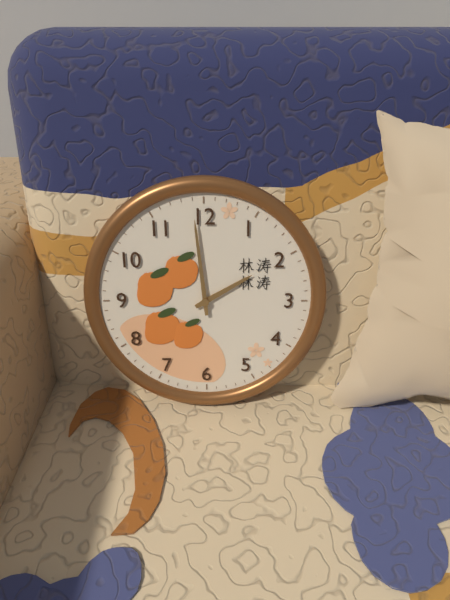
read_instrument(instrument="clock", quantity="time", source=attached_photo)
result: 1:59
